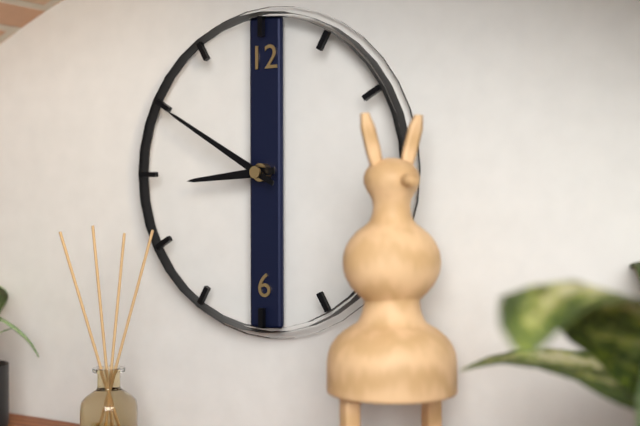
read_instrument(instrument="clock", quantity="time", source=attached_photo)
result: 8:50
